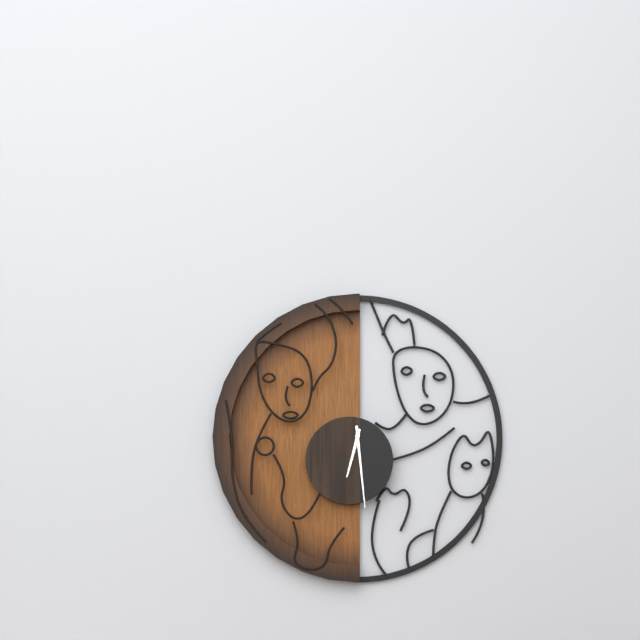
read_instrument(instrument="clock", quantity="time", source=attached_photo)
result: 6:29
